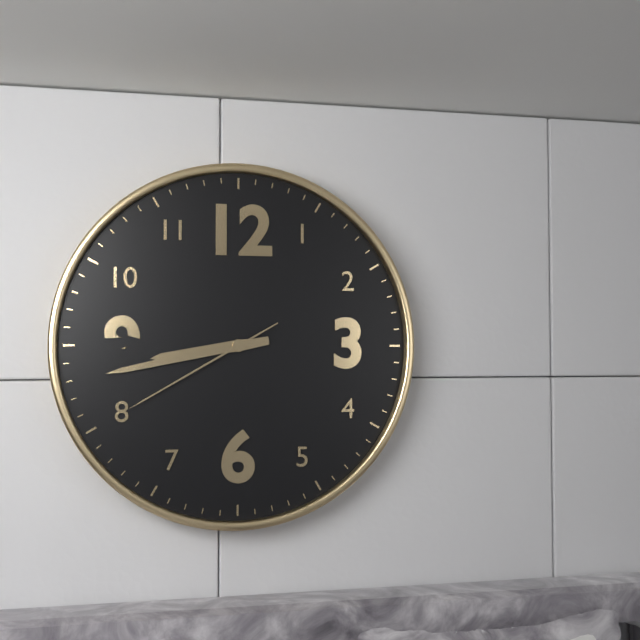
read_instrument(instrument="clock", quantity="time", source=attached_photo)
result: 8:43:40
